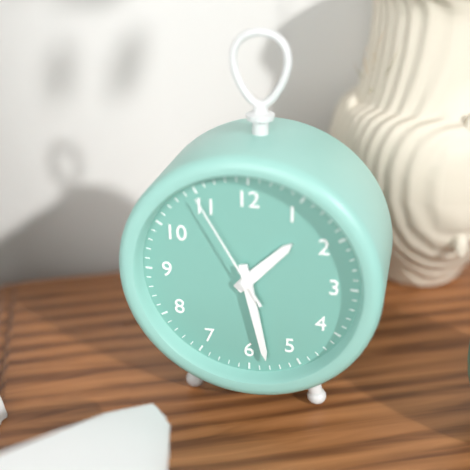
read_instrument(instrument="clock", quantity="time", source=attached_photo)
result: 1:28:55
